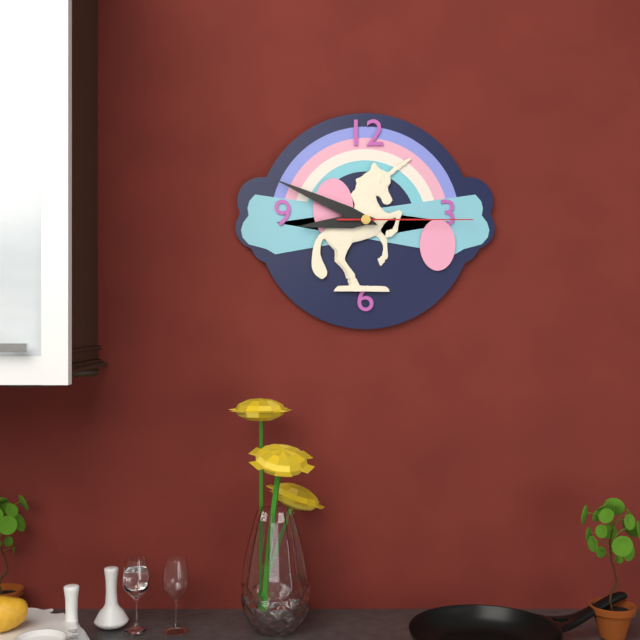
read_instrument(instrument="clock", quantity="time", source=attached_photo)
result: 8:49:15
